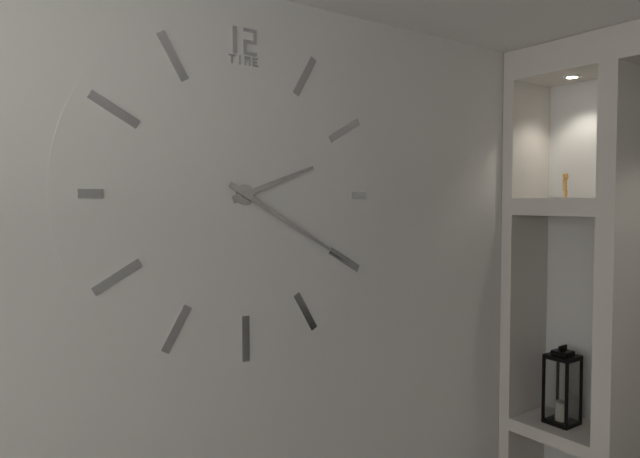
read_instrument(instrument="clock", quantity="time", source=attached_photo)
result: 2:20
